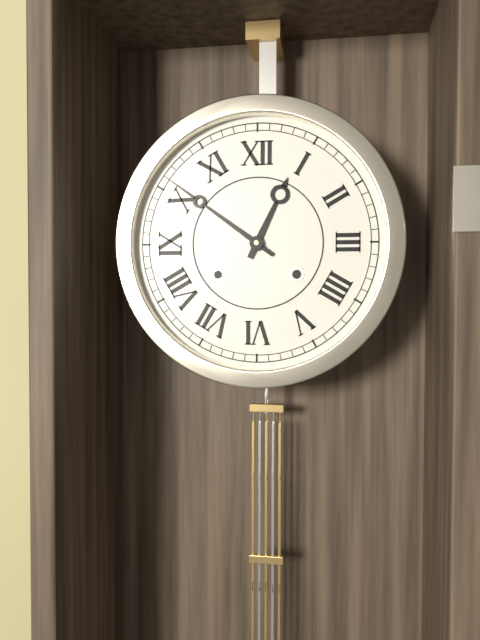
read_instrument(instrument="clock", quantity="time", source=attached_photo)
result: 12:51
